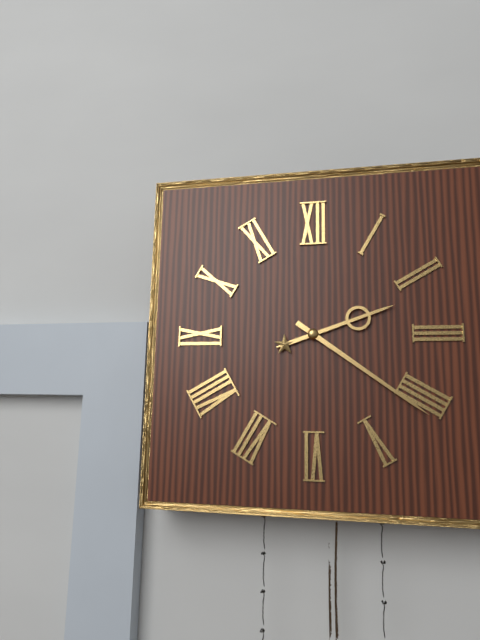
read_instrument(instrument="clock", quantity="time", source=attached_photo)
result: 2:21
